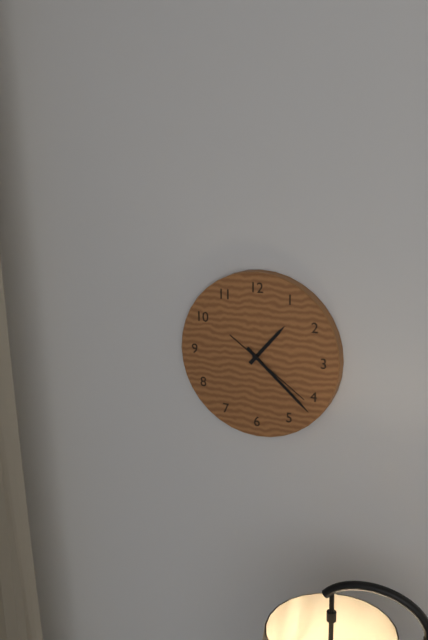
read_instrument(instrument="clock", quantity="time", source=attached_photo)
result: 1:22:21
